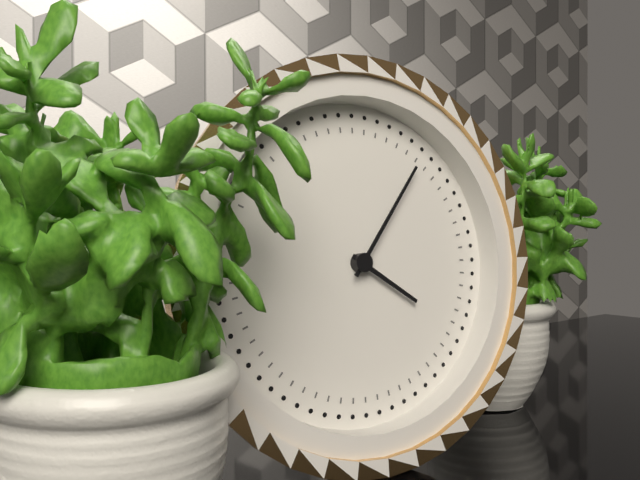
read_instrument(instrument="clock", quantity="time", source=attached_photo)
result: 4:06
